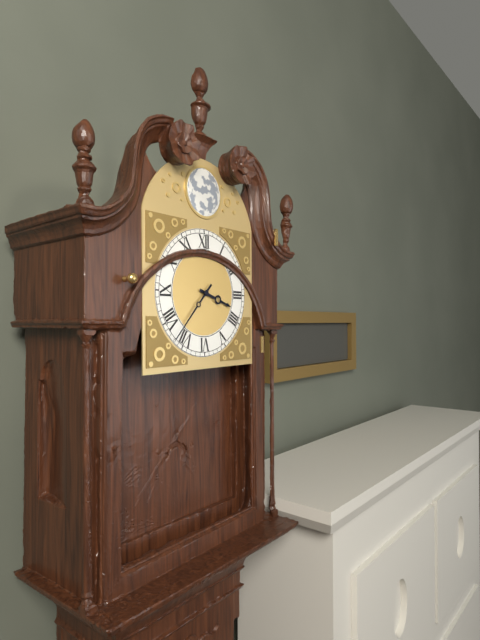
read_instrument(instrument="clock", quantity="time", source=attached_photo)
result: 3:37
